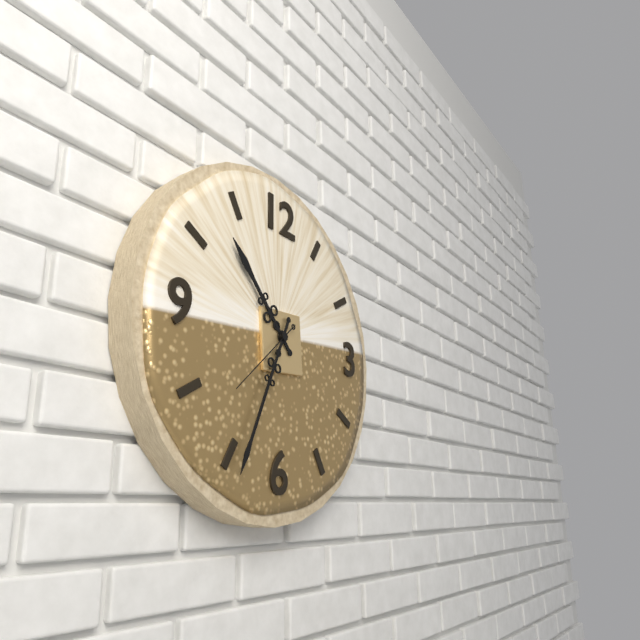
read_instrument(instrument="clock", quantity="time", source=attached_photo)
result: 10:34:38
